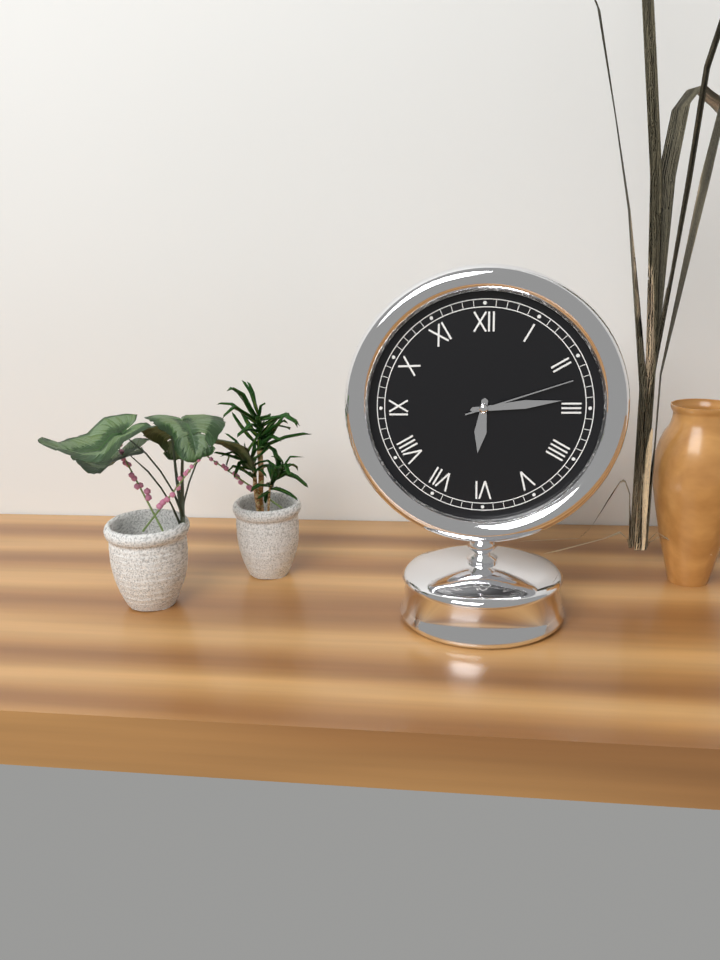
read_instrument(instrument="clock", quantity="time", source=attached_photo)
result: 6:14:12
